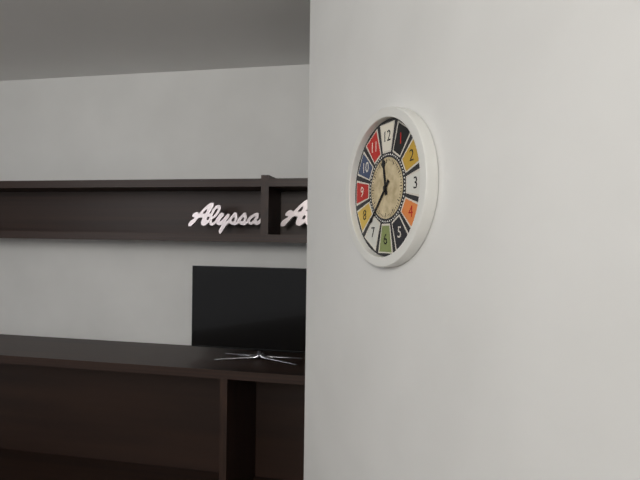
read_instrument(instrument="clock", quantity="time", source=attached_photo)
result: 11:37
